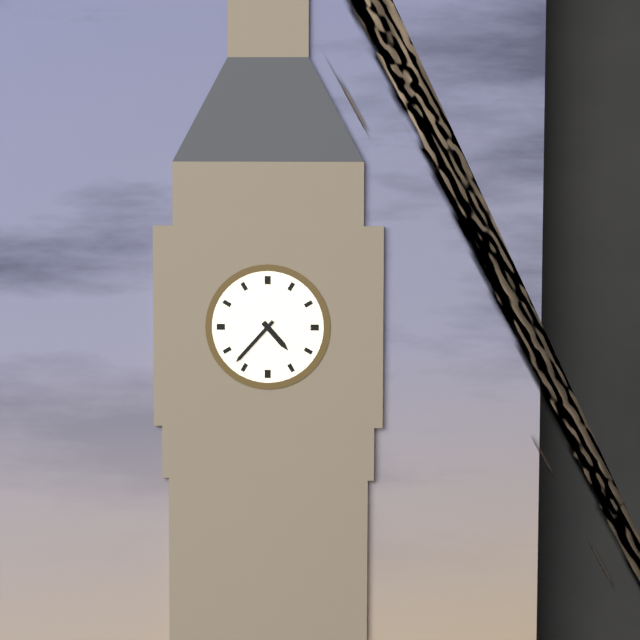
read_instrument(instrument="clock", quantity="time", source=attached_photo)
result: 4:37
